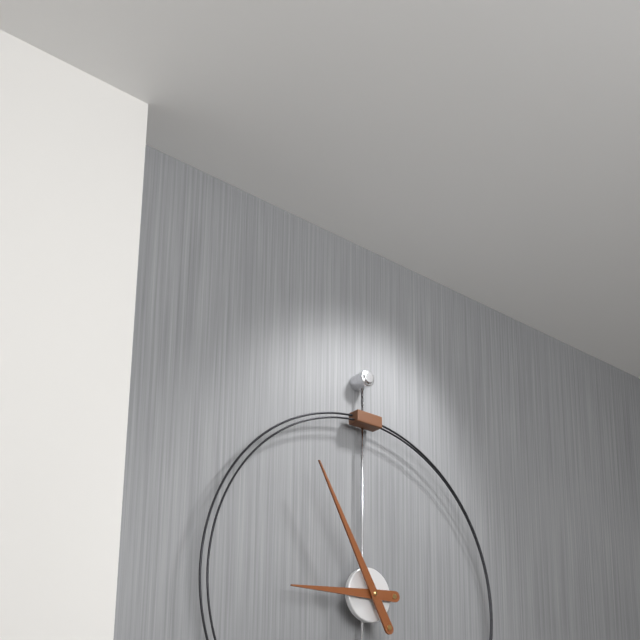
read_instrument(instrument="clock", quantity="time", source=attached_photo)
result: 8:55
